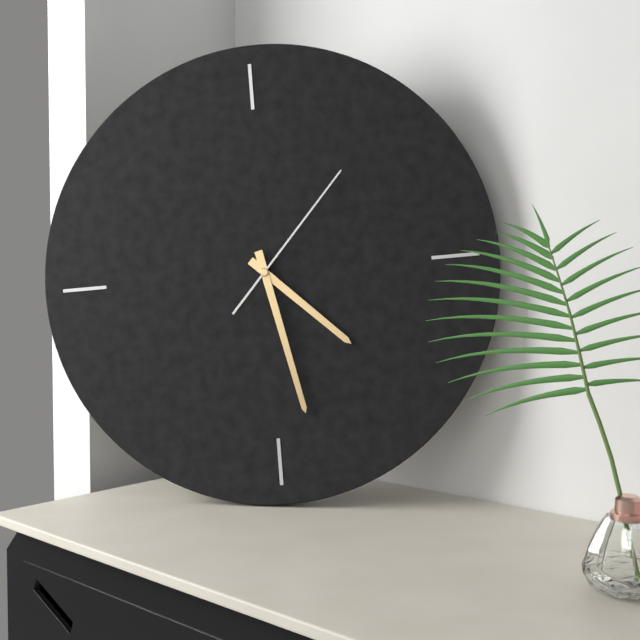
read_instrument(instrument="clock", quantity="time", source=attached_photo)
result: 4:28:07
